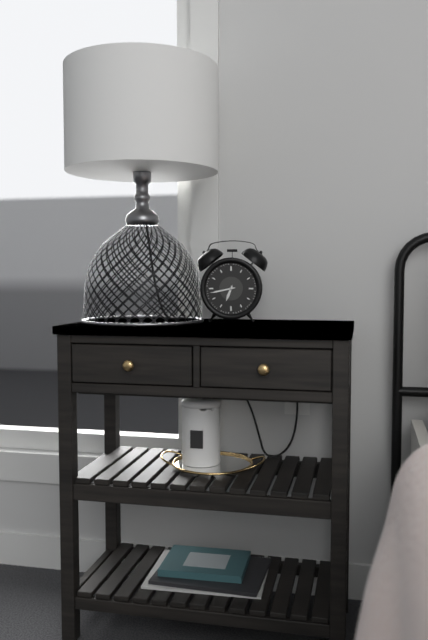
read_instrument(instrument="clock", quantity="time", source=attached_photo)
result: 6:43
